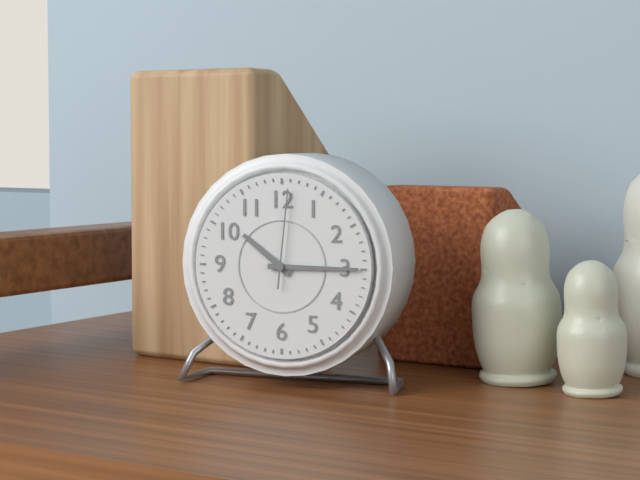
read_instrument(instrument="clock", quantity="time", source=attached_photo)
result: 10:15:01
